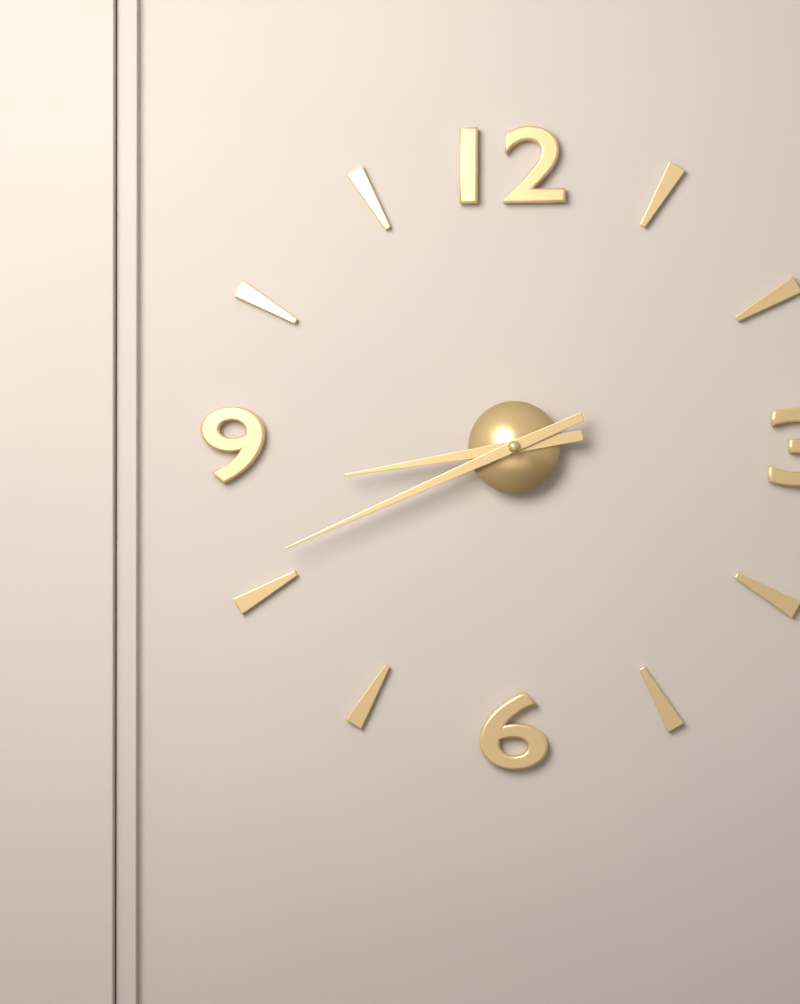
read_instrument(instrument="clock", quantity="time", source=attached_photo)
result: 8:41
